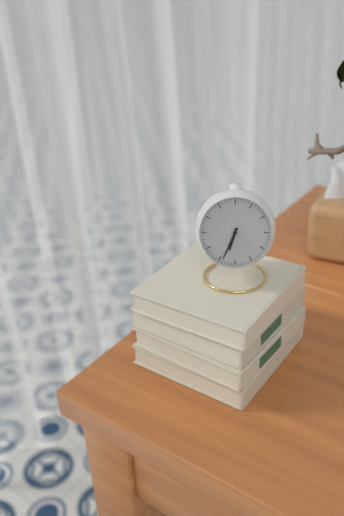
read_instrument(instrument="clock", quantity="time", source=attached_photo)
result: 6:34
